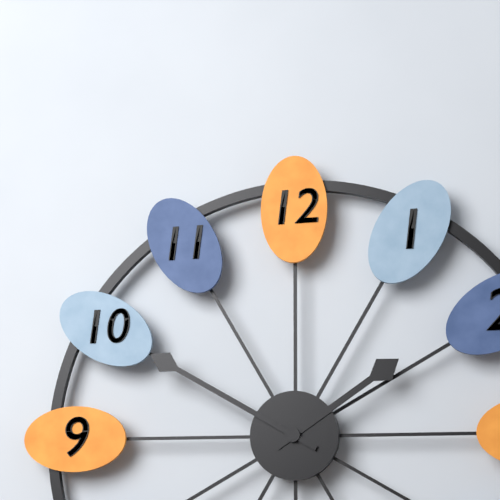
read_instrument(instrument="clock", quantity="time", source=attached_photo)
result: 1:50
